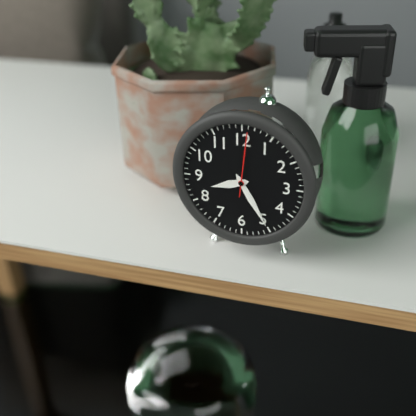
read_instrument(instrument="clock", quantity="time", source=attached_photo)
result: 8:25:01
